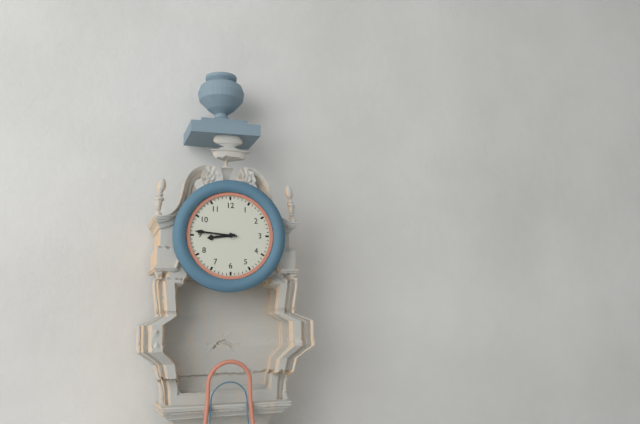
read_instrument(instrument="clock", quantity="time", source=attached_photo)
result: 8:46
